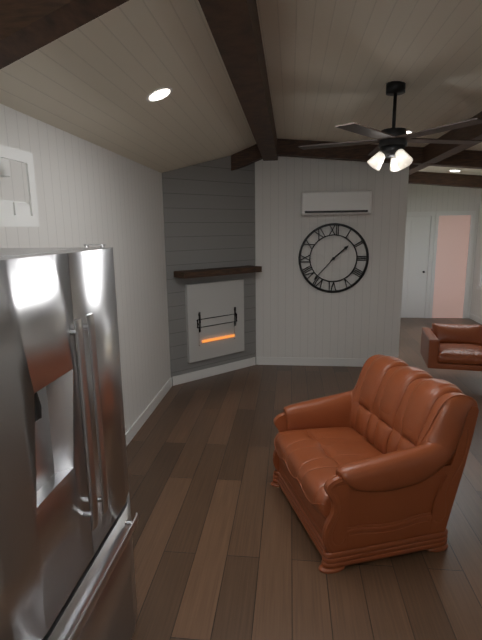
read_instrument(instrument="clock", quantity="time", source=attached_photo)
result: 1:37
